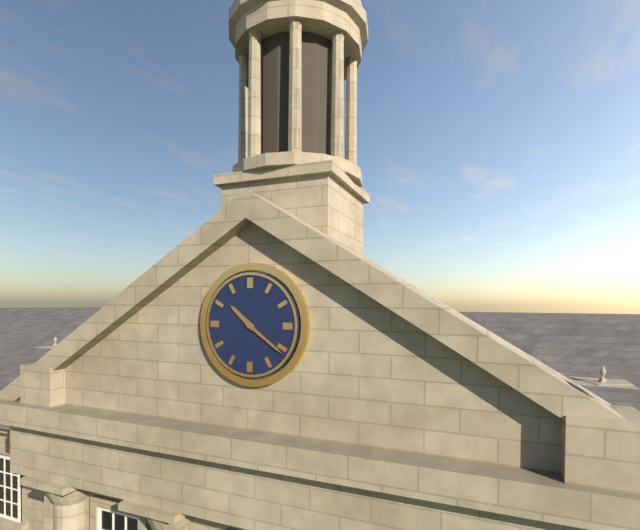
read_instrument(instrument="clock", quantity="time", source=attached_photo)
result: 10:21
